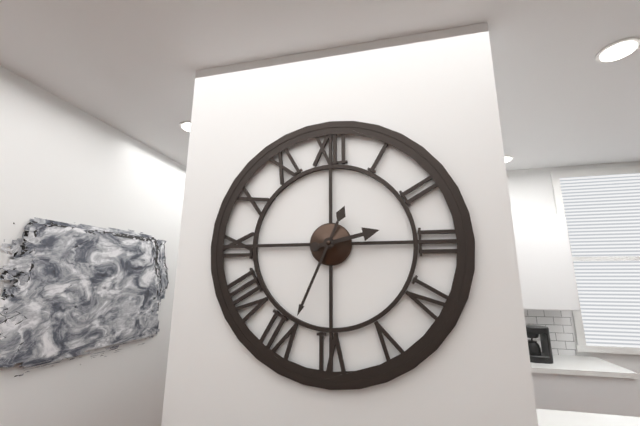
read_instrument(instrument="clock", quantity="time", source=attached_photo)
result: 2:34
